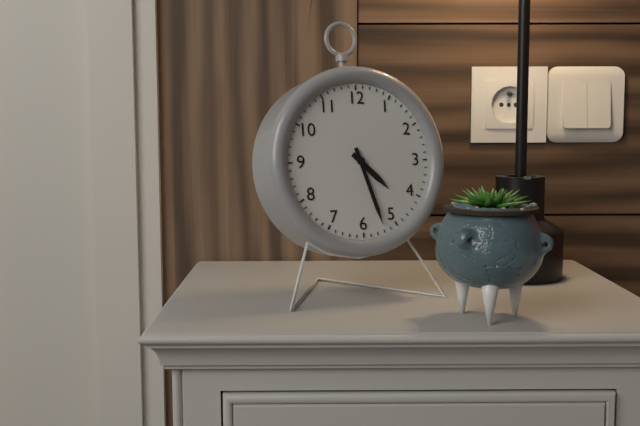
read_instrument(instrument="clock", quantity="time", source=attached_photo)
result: 4:27
